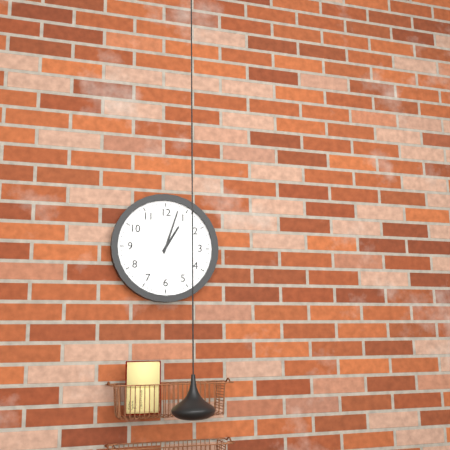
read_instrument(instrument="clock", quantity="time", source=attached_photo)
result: 1:03
